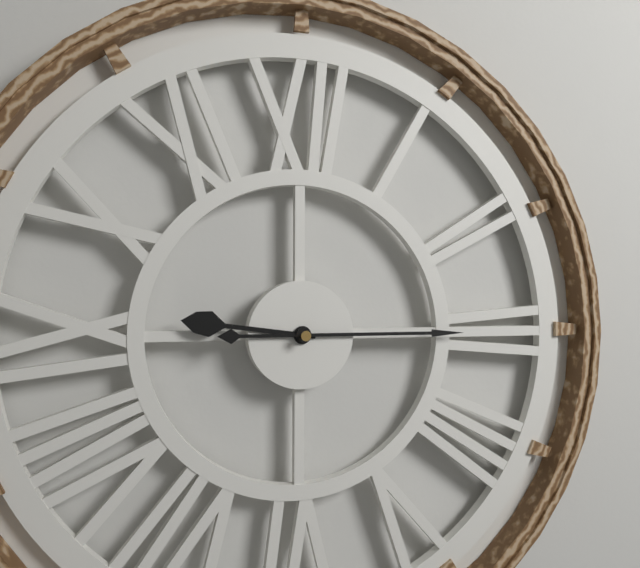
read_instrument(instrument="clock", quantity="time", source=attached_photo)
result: 9:15
